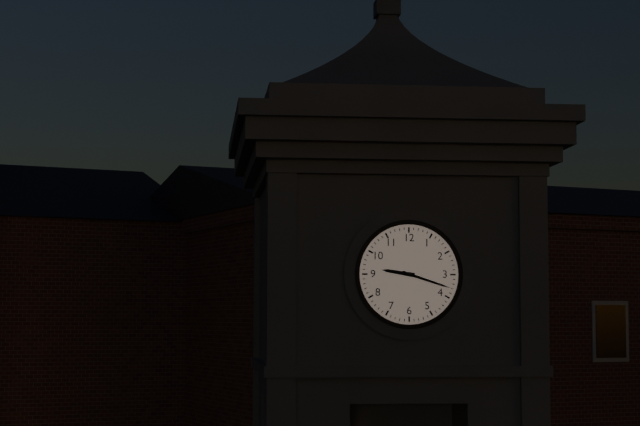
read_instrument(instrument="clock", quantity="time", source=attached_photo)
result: 9:18
